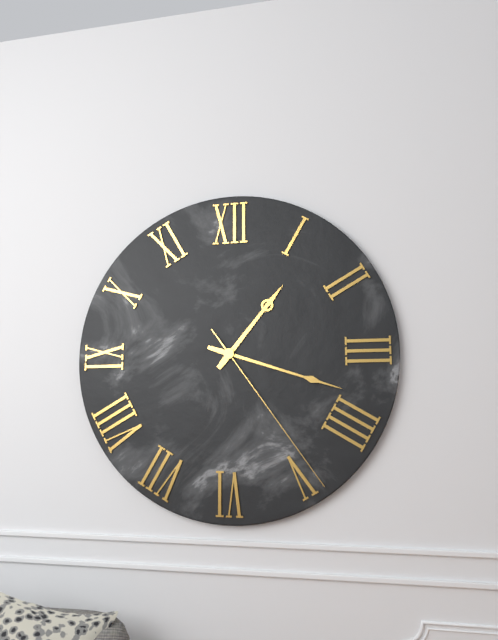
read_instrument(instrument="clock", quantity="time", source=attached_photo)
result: 1:18:24
